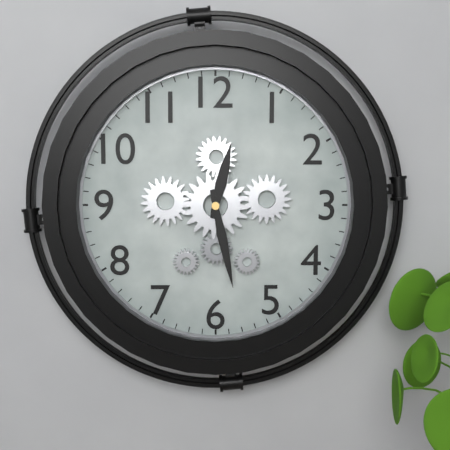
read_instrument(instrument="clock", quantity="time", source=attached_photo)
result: 12:28
